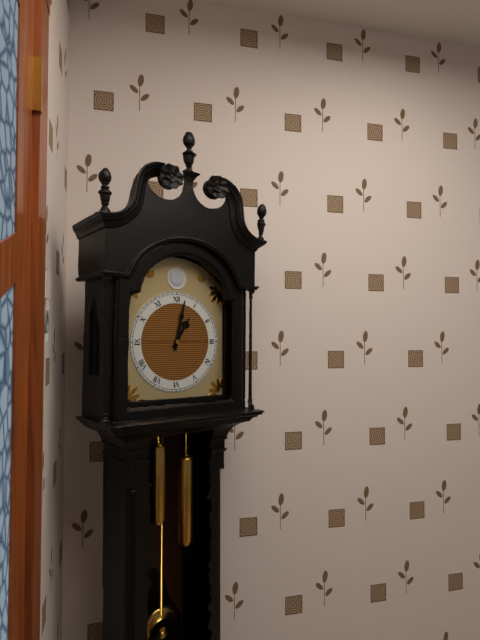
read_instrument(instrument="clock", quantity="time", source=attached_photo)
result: 1:02
